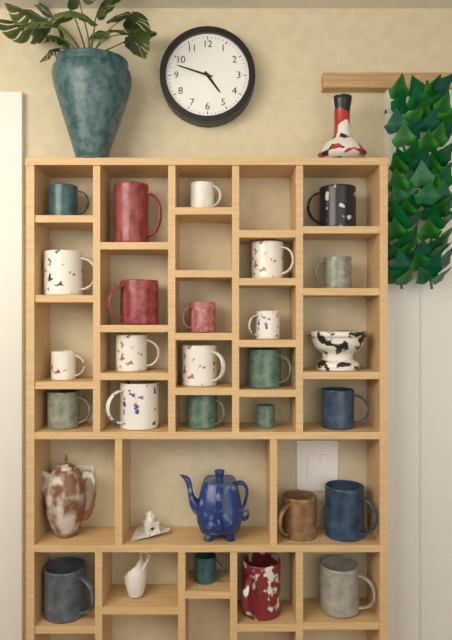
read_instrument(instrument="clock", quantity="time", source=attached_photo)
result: 4:48
